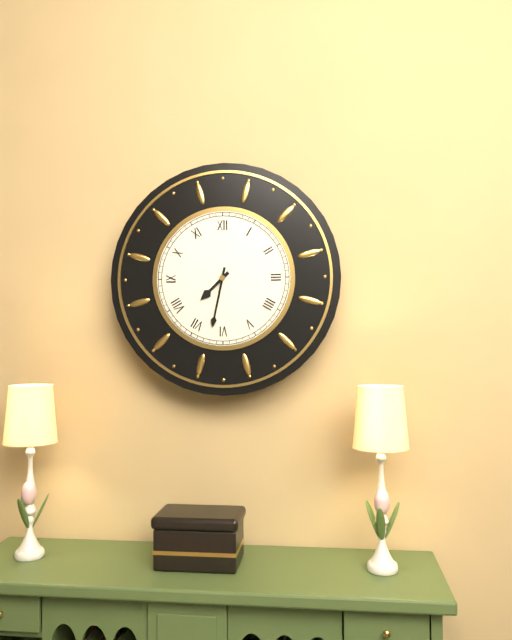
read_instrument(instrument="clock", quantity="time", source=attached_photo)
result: 7:32
